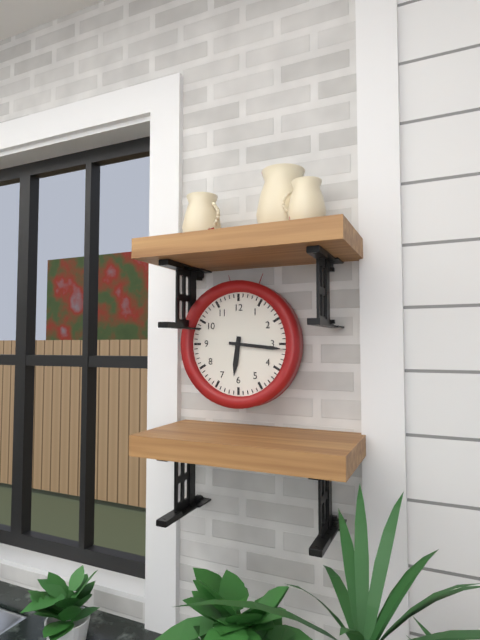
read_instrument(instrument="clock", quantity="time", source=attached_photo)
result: 6:16
